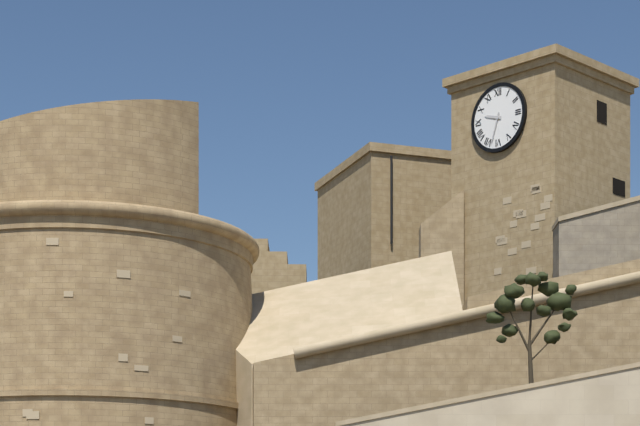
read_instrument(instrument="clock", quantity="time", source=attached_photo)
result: 9:33
